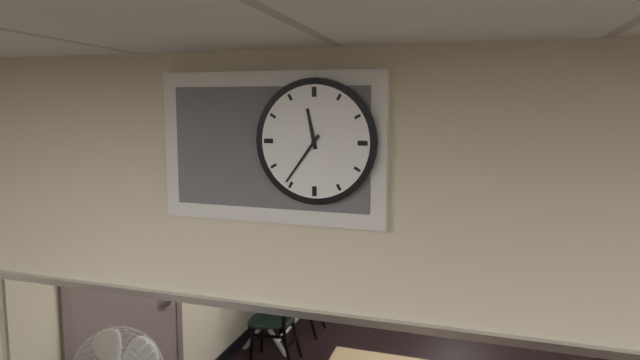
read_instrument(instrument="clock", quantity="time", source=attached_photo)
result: 11:36
